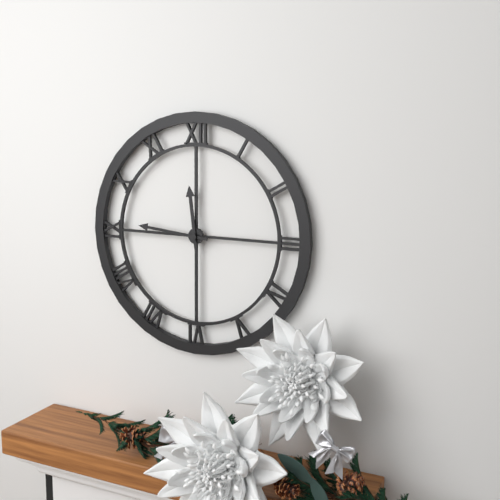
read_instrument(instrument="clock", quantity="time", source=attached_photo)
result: 11:46
